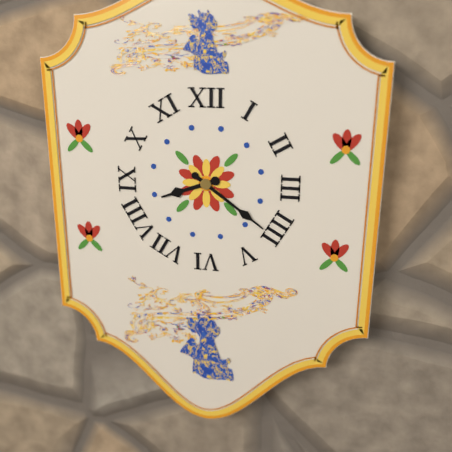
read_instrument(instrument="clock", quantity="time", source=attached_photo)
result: 8:21
